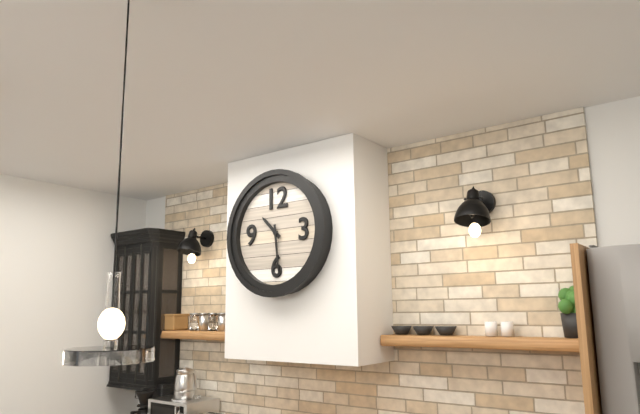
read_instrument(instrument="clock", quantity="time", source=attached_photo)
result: 10:29
